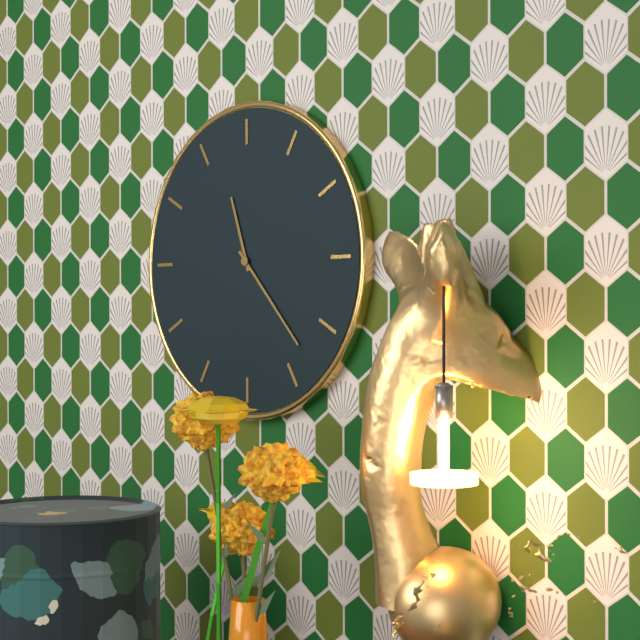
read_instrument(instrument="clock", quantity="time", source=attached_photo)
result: 11:23
